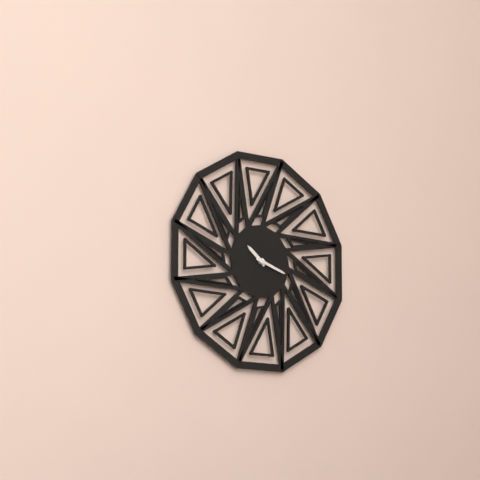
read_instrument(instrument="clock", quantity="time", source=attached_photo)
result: 10:18
